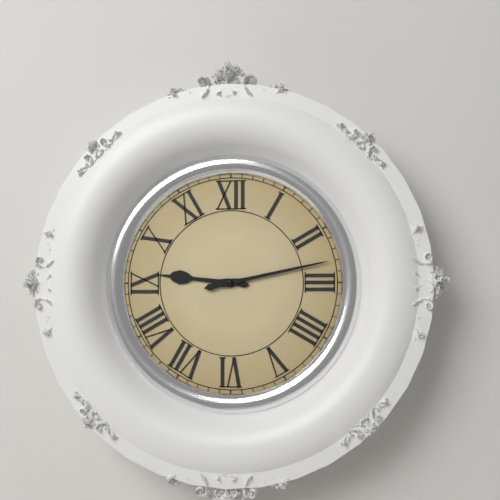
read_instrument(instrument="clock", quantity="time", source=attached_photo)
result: 9:13
